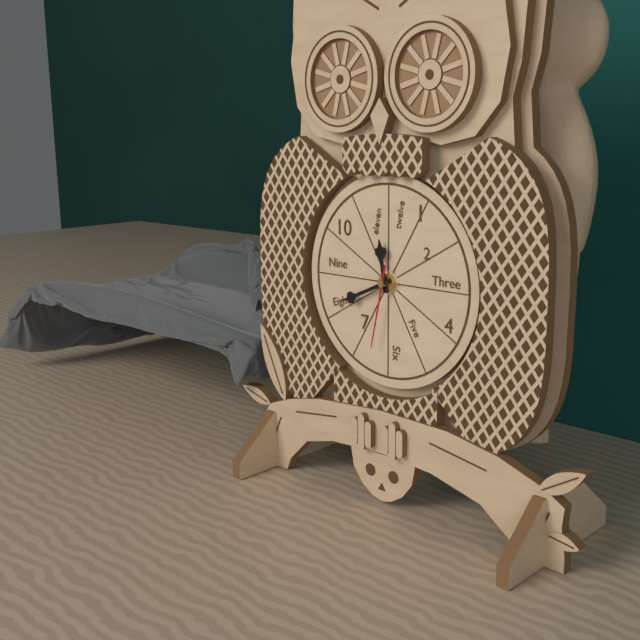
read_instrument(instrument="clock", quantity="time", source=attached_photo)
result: 11:41:32
